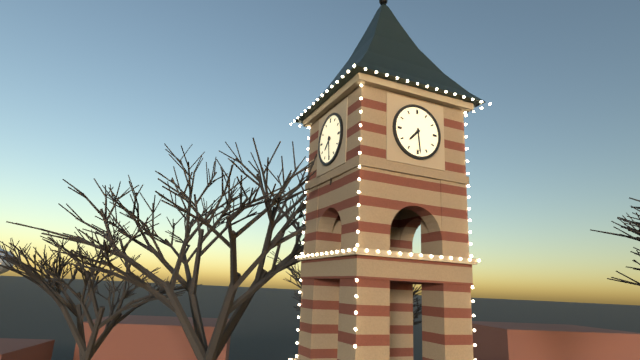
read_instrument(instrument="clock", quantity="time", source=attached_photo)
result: 7:29
